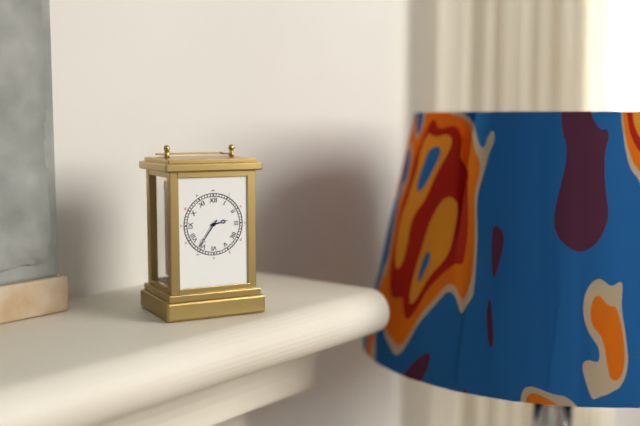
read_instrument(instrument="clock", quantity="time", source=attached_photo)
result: 2:36
